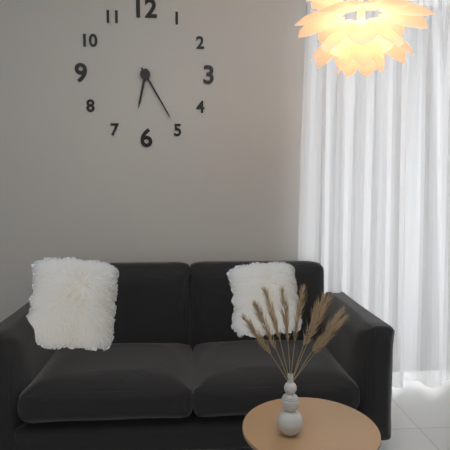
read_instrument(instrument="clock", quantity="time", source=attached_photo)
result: 6:25
